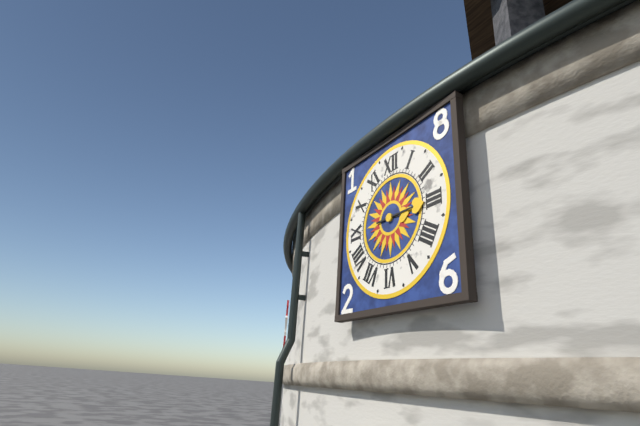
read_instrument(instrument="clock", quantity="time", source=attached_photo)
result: 3:15
